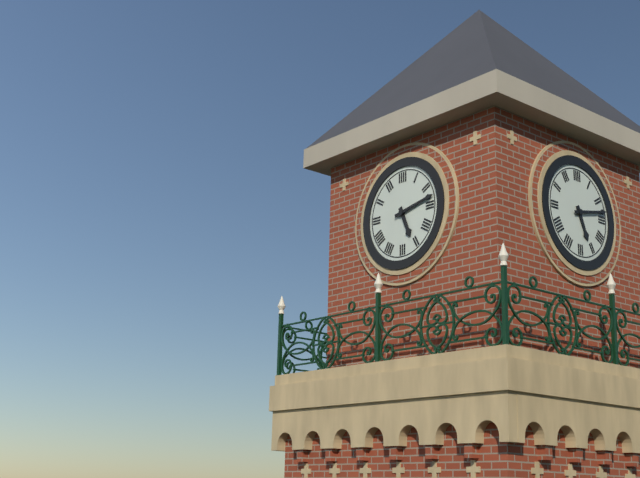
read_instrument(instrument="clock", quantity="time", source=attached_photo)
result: 5:13
